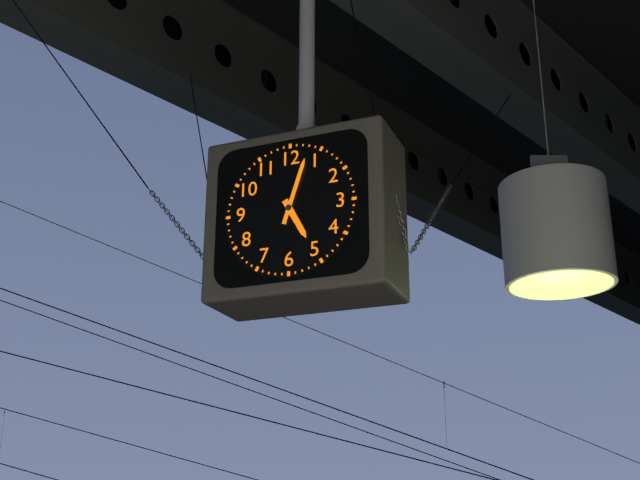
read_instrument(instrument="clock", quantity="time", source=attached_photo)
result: 5:03
